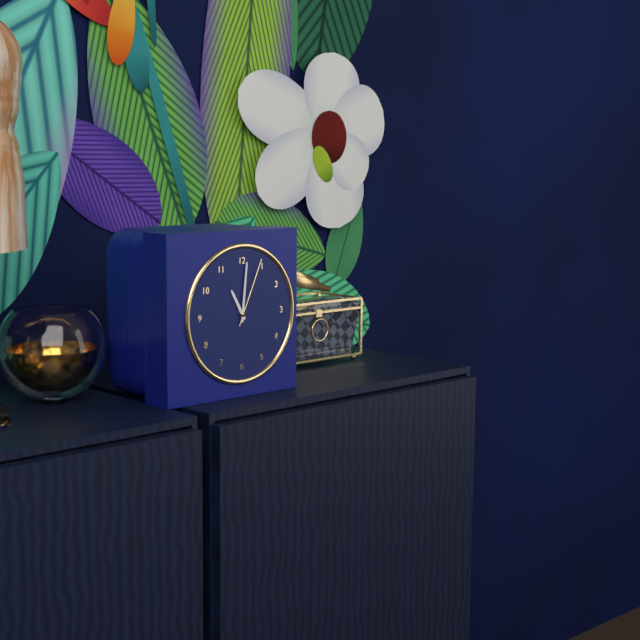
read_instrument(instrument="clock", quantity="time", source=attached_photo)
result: 11:01:04
